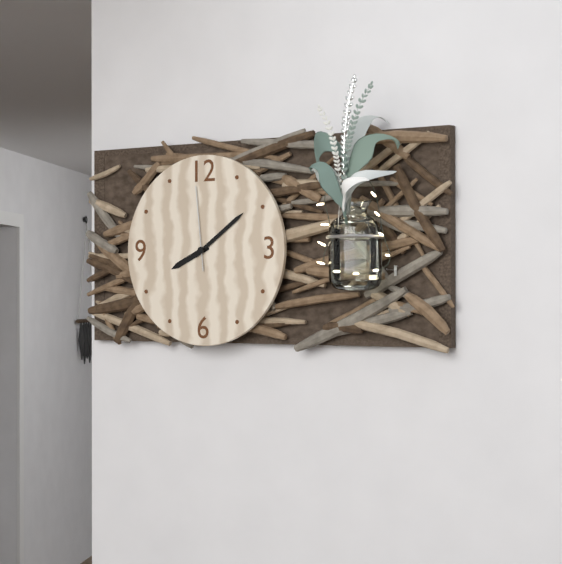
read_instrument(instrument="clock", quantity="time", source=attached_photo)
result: 8:09:59
